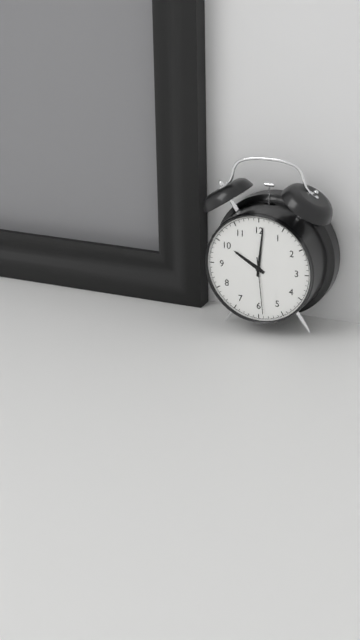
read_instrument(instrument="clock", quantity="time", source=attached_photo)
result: 10:01:29
